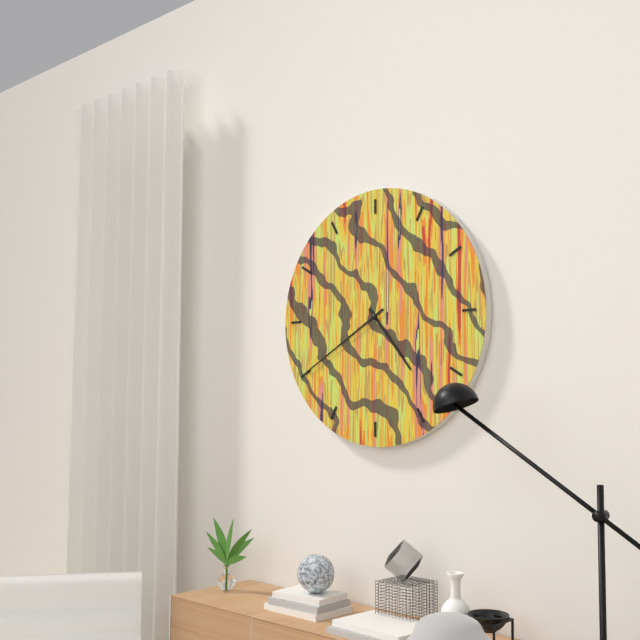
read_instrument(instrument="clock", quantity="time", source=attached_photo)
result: 4:40
